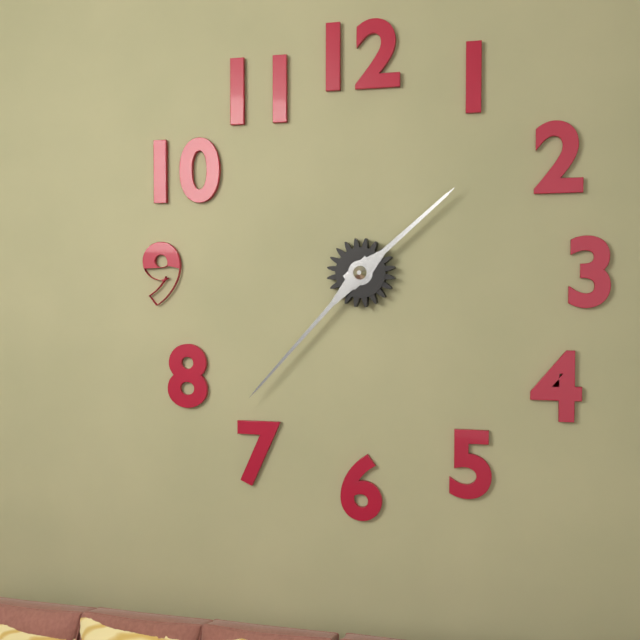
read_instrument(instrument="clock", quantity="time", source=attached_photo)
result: 1:37
